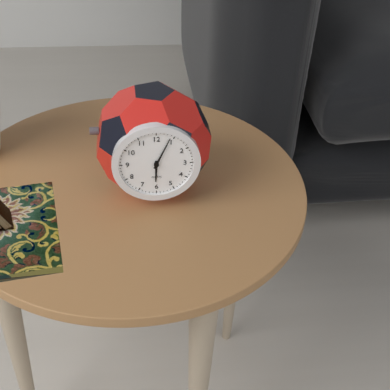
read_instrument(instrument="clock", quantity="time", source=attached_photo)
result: 6:04
